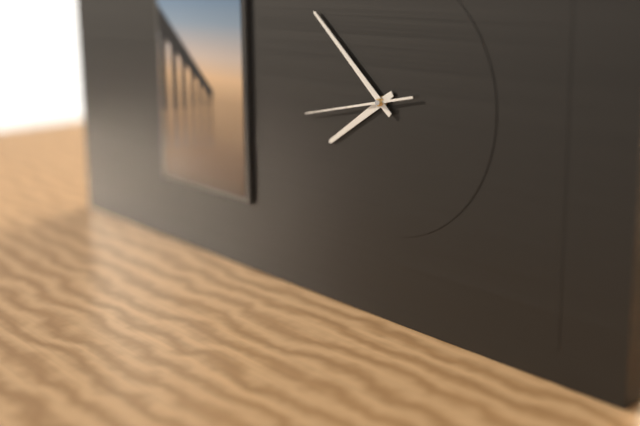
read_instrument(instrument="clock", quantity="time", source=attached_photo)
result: 7:52:43
